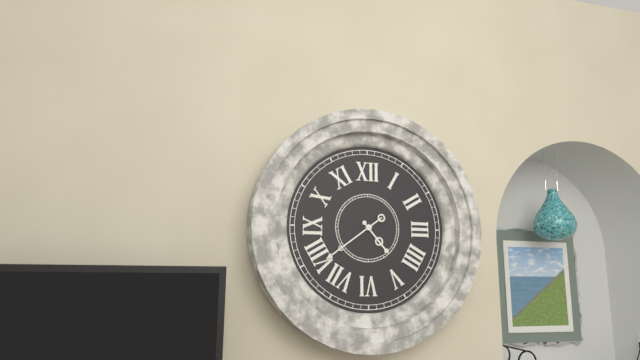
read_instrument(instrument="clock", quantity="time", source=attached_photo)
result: 4:39
